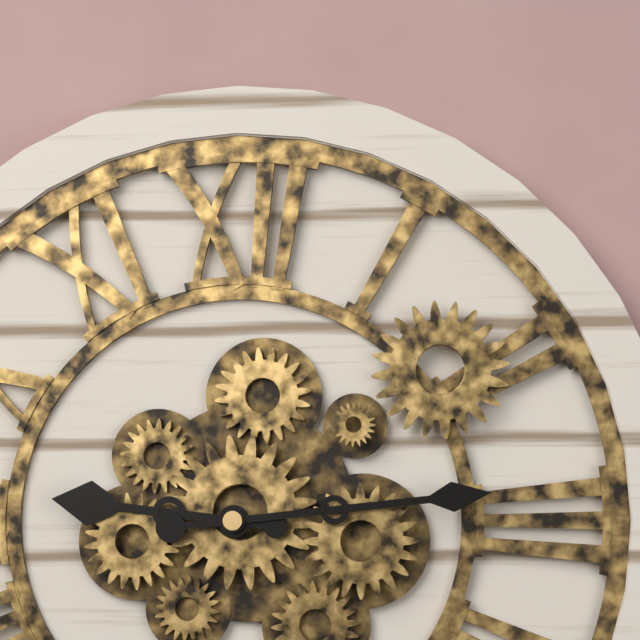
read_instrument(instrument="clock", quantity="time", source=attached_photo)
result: 9:14
